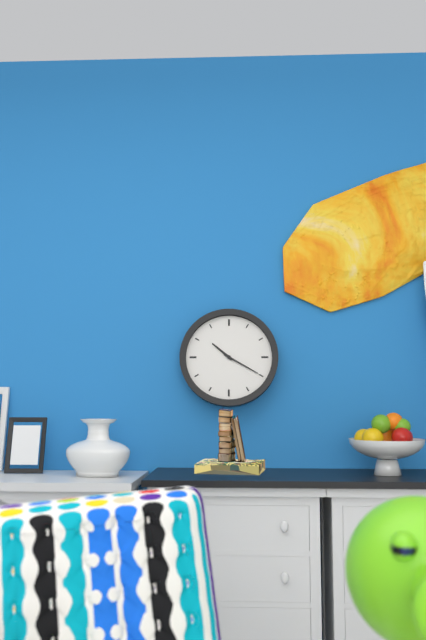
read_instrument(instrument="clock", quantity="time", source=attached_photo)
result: 10:20
